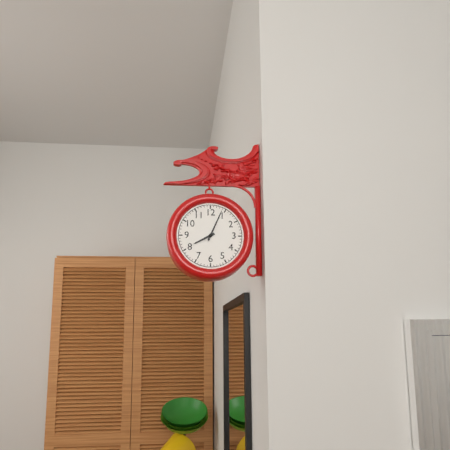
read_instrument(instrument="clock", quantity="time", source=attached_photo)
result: 8:04
